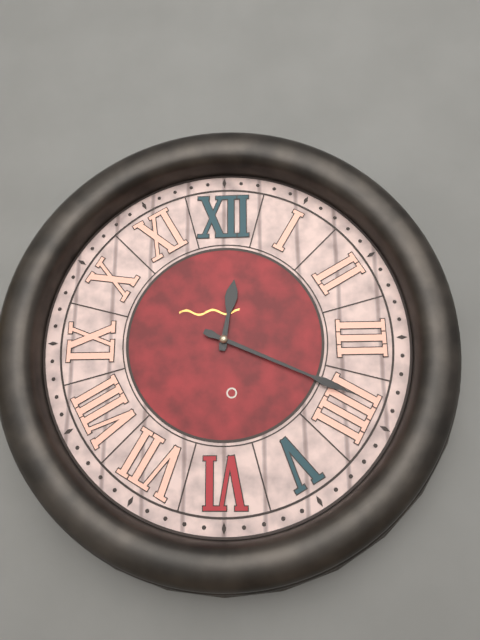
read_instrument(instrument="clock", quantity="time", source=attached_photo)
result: 12:19
